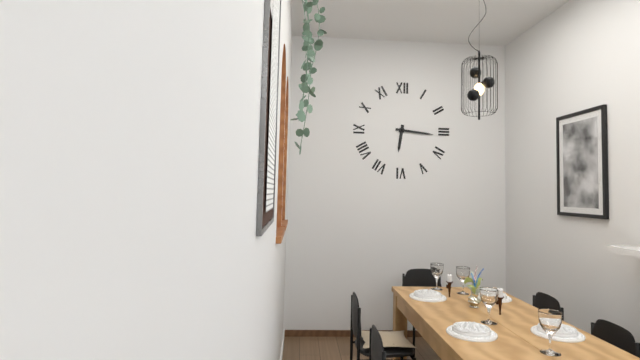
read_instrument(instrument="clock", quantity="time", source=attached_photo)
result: 6:16
